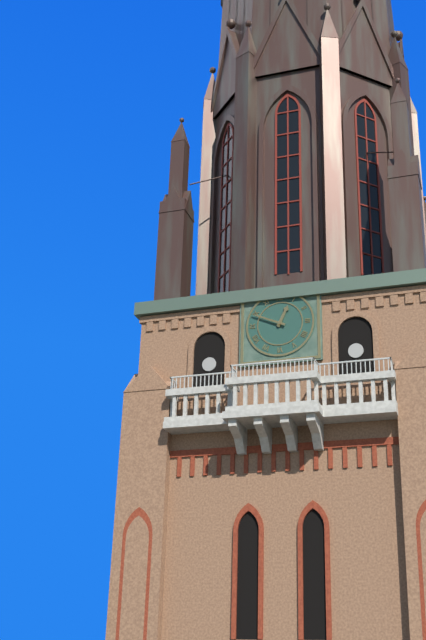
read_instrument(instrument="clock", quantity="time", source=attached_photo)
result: 12:49
